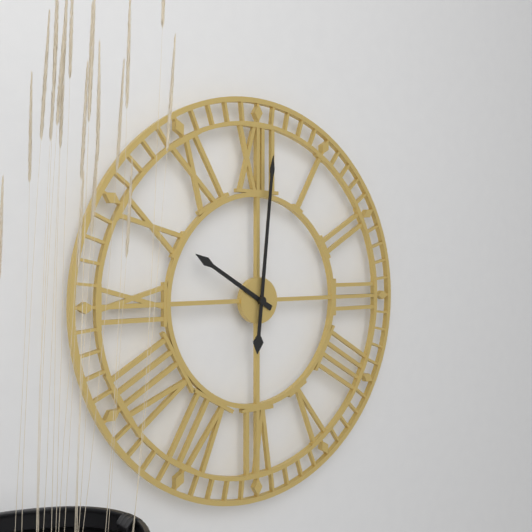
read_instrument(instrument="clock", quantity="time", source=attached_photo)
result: 10:01
